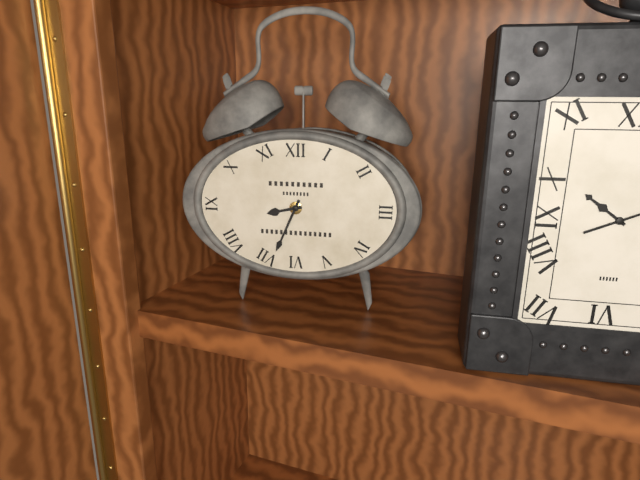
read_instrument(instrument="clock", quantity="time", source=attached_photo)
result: 8:34
